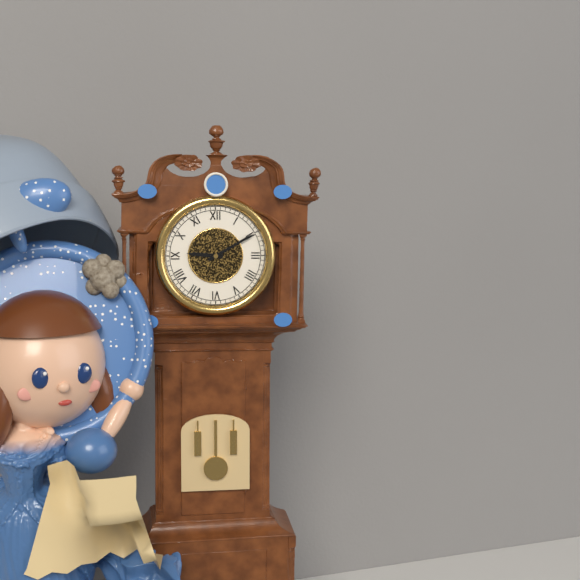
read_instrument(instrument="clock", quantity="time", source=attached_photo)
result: 9:10
